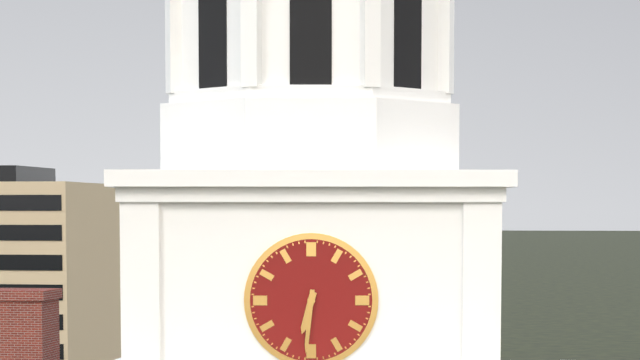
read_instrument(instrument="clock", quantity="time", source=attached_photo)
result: 6:31
